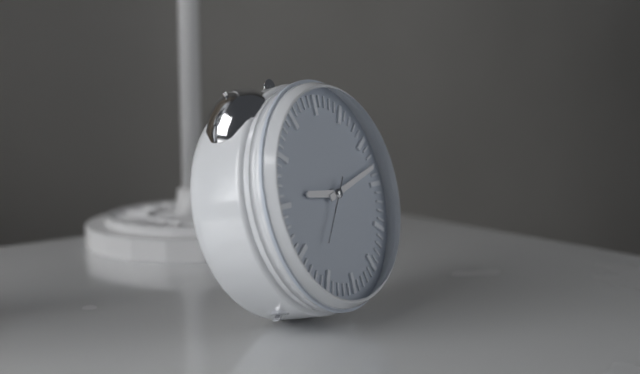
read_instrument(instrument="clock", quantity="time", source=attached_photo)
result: 9:13:37
